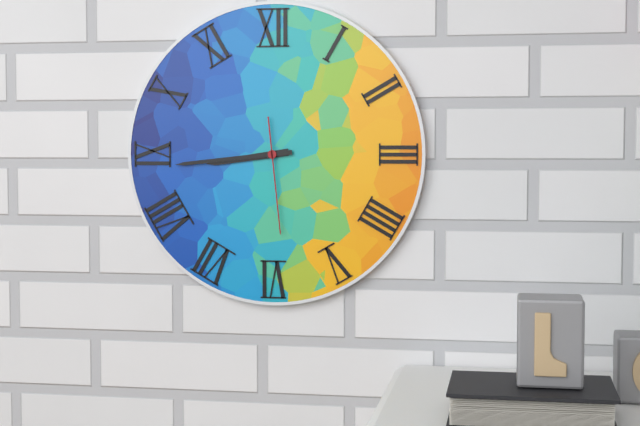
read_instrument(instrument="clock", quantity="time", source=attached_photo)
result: 8:44:29
